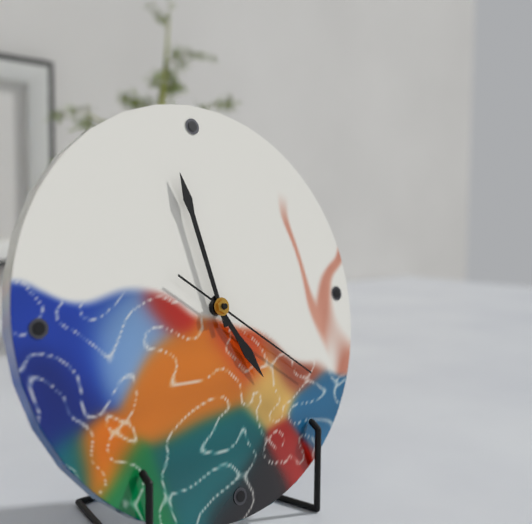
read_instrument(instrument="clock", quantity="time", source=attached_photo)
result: 4:58:21
